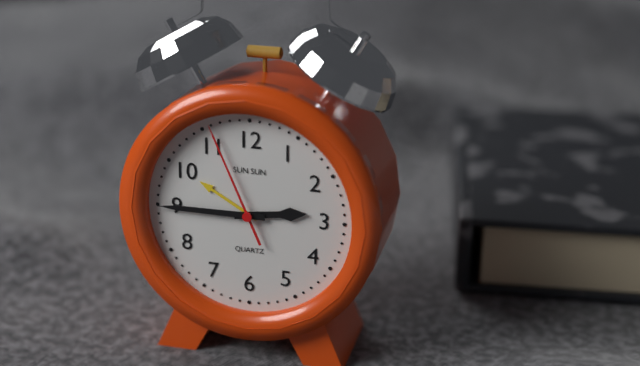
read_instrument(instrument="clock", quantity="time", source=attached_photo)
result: 2:45:56
